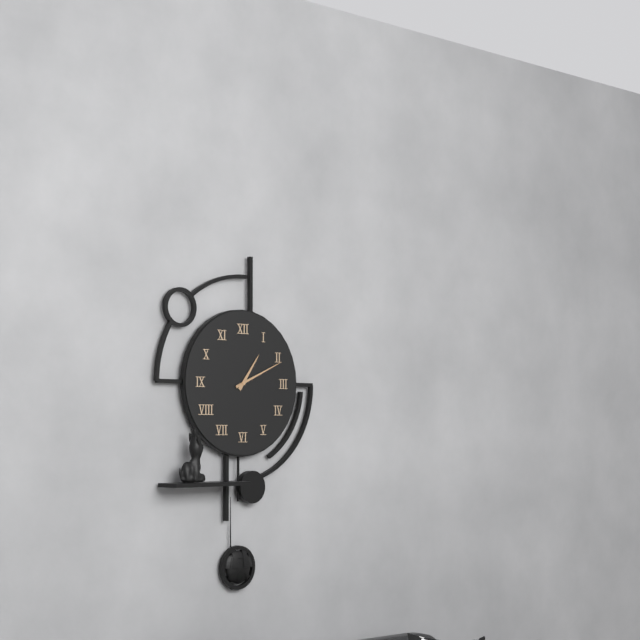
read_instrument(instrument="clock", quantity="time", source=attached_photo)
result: 1:11
